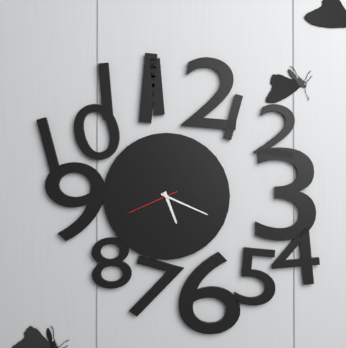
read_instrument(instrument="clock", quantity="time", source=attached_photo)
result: 5:19:41
